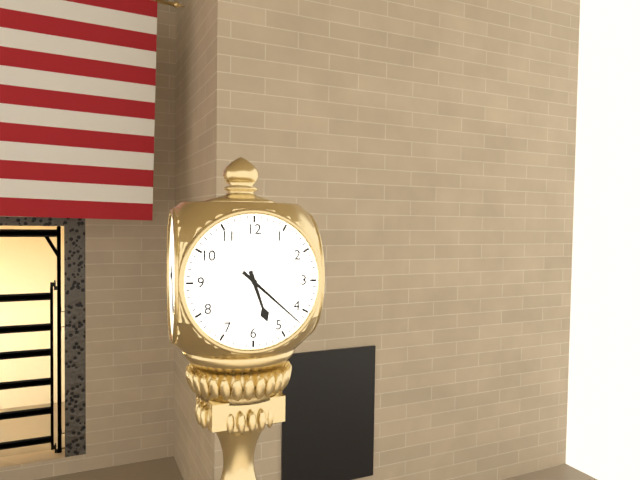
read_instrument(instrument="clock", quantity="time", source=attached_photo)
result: 5:22
